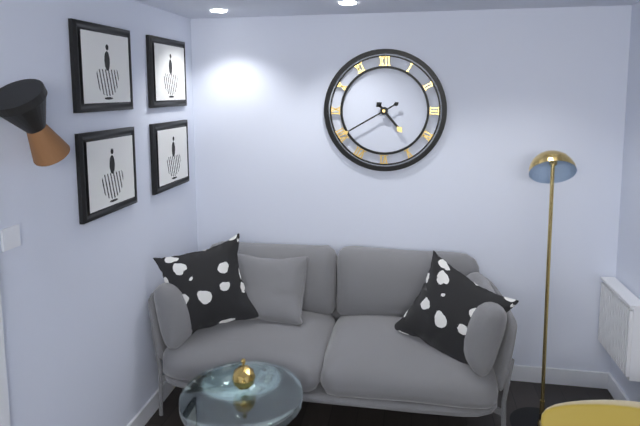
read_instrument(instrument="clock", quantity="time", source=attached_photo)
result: 4:40
